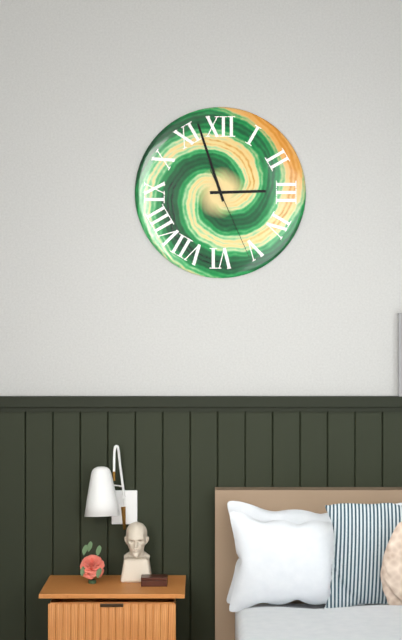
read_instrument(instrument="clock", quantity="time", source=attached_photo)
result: 2:57:26
